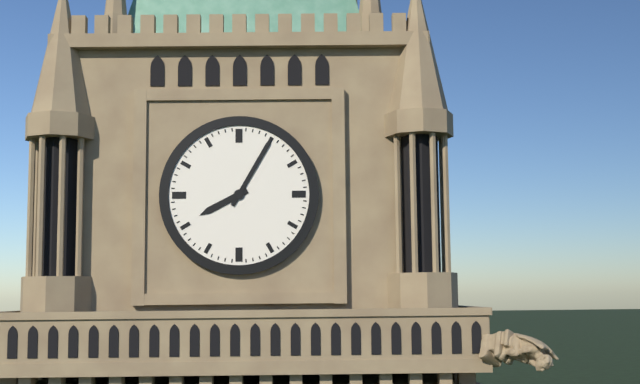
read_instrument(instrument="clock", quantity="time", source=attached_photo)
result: 8:05
